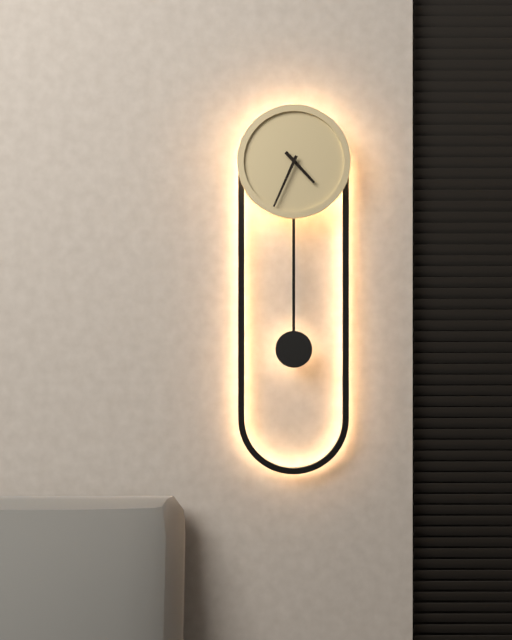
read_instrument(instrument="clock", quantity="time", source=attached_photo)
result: 4:34
